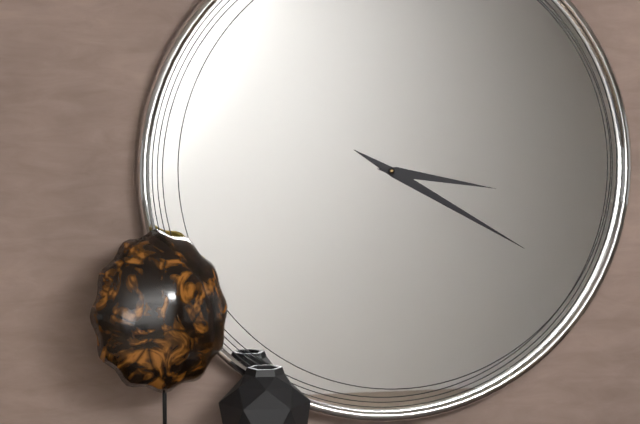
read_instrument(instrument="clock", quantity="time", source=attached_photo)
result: 3:20
